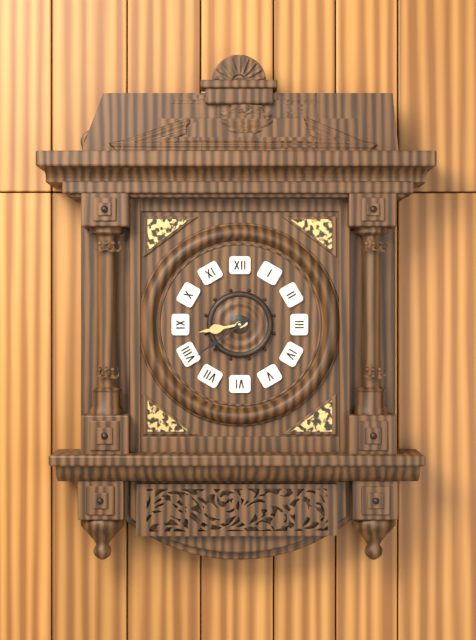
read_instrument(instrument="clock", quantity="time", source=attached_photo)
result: 8:39
